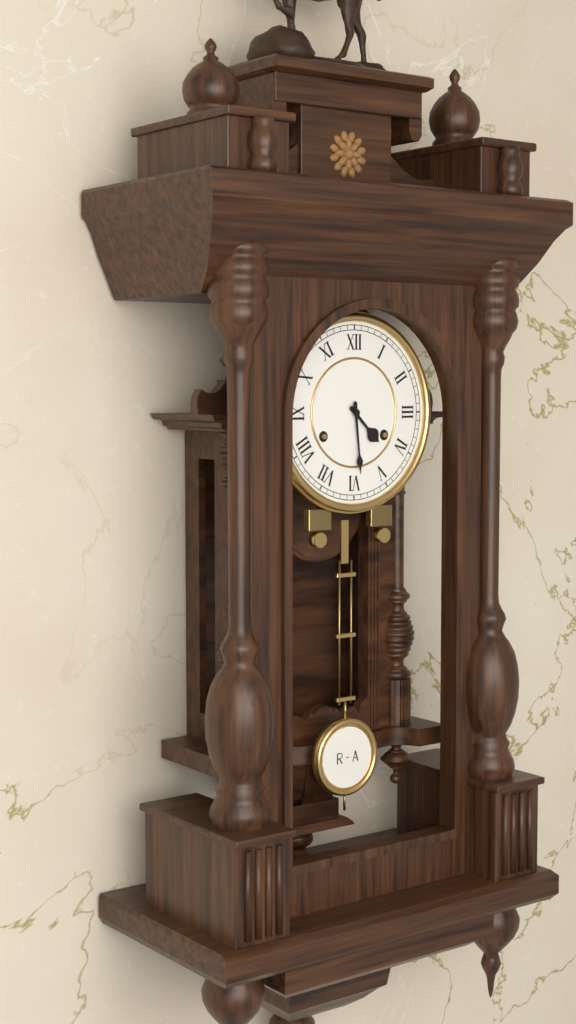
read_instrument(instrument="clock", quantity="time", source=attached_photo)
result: 4:29
